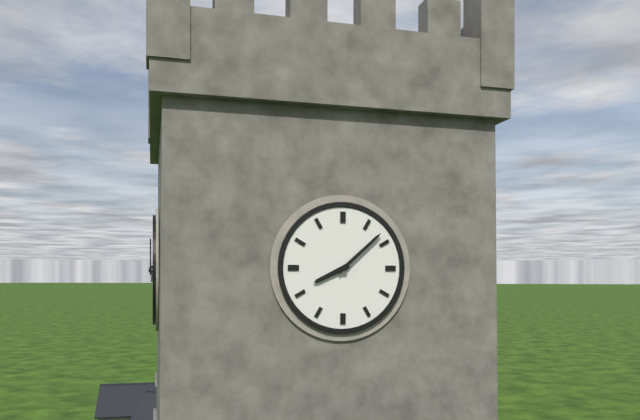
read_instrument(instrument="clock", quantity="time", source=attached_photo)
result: 8:08
